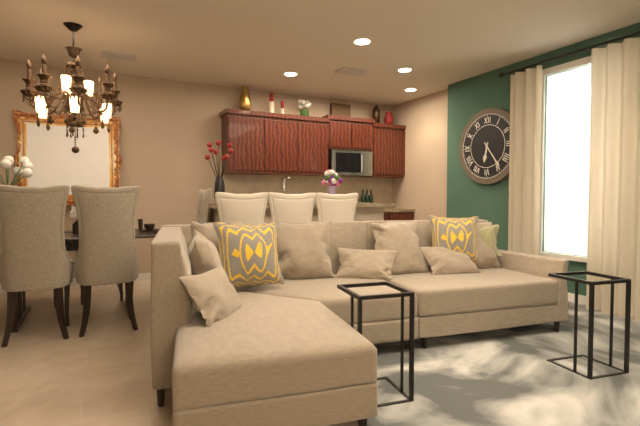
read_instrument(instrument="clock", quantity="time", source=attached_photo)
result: 6:24
